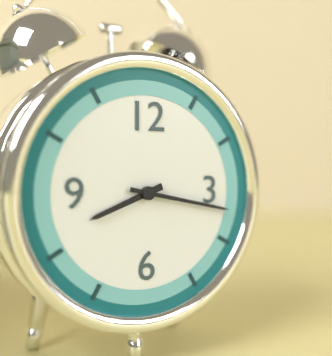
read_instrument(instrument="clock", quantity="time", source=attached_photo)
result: 8:17
